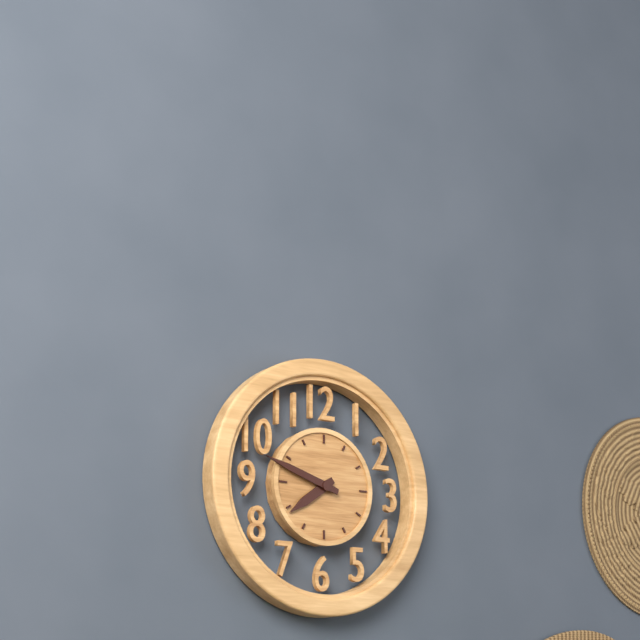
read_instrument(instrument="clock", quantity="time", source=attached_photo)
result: 7:48
